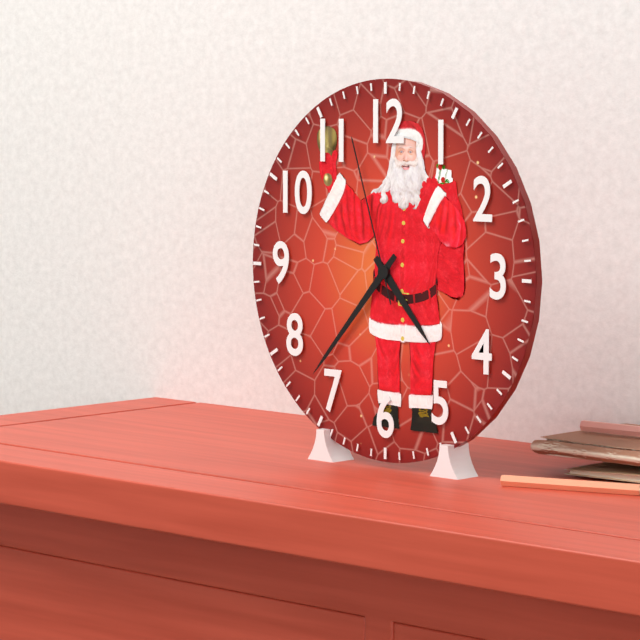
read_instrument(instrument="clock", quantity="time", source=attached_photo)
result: 4:37:57
